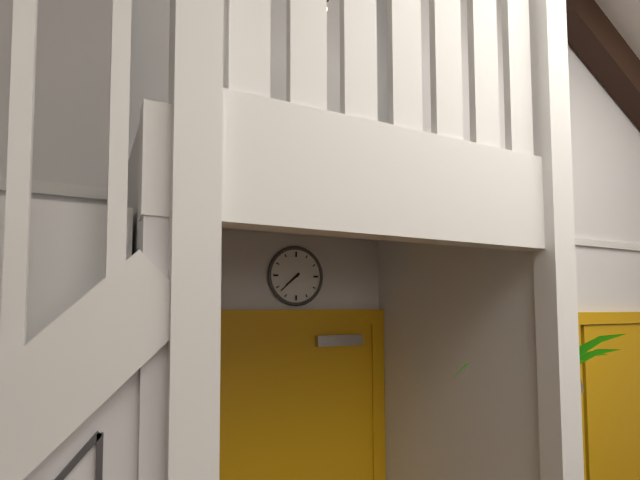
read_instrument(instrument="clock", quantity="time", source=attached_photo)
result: 7:38
